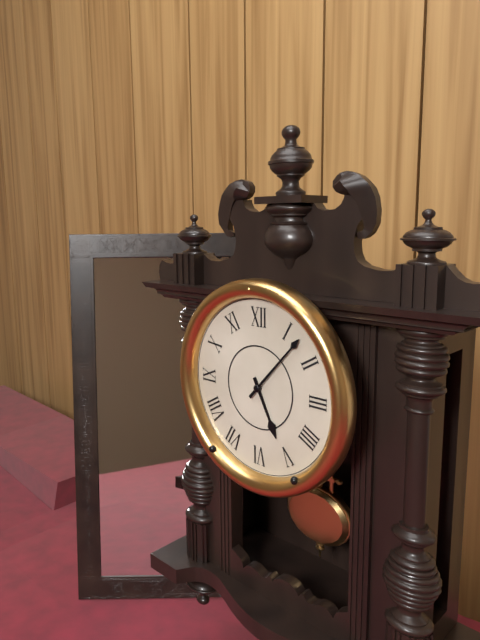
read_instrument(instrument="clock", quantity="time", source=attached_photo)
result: 5:07
